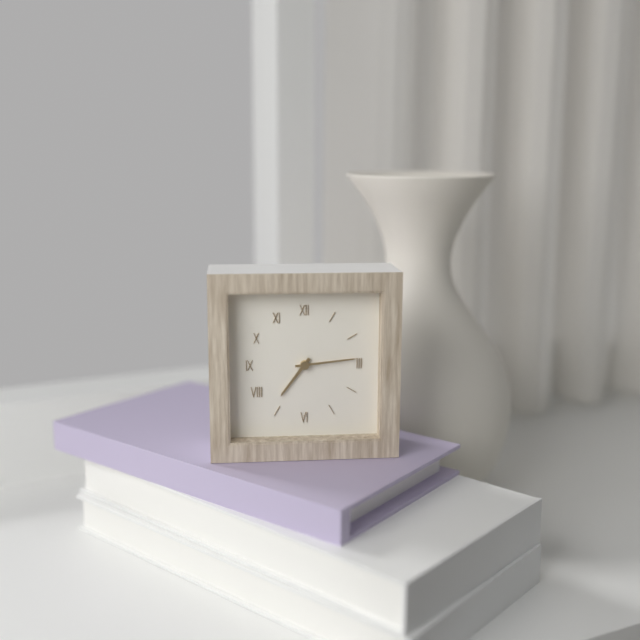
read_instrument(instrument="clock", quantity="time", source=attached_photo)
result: 7:14
